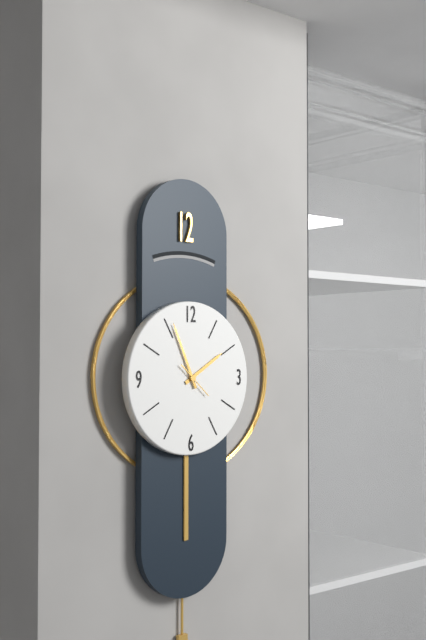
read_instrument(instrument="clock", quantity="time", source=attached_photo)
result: 1:56
